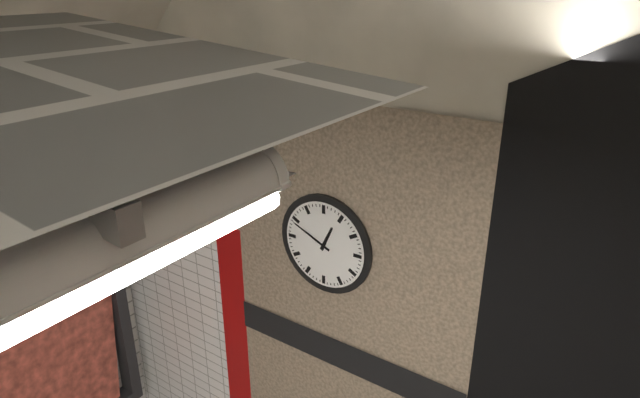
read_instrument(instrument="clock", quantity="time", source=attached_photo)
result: 12:49
